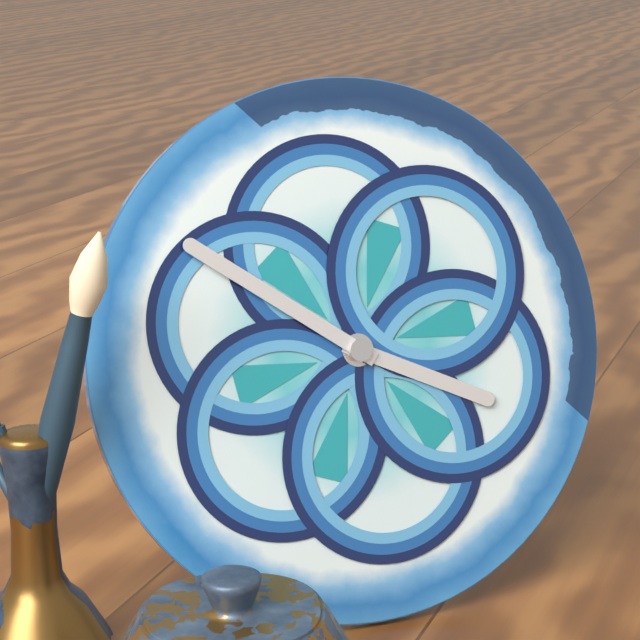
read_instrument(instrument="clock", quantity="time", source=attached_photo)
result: 3:51
